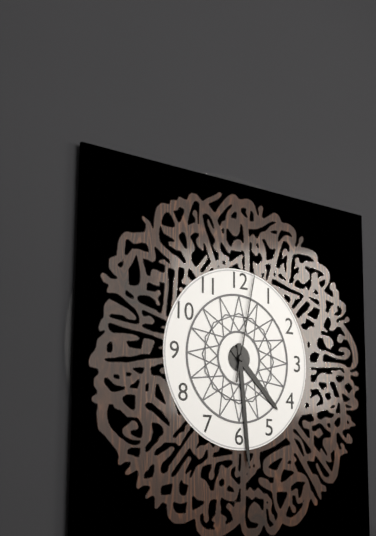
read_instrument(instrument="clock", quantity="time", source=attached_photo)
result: 4:29:02
